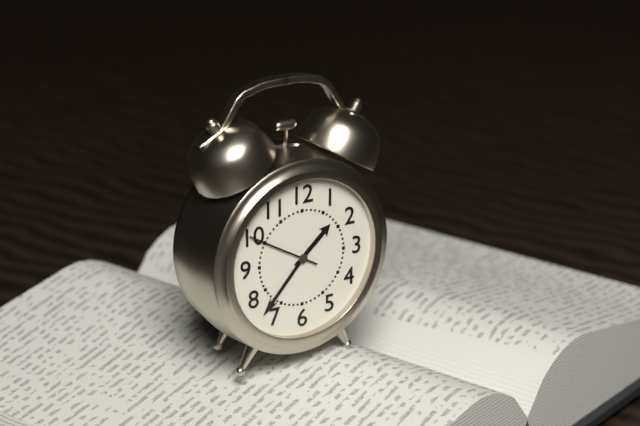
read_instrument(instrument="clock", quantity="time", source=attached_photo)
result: 1:37:50
